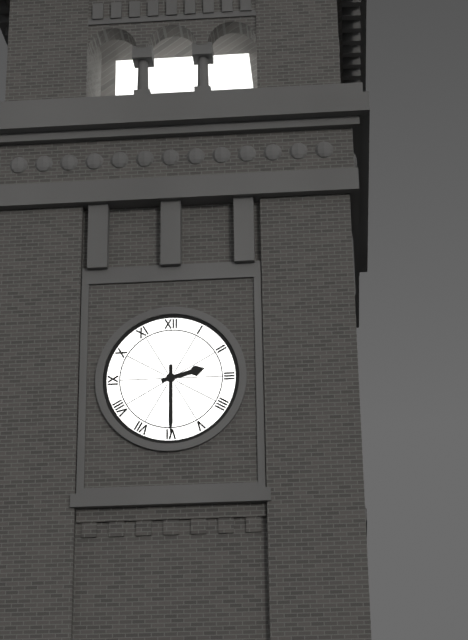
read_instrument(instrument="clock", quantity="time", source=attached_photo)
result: 2:30
